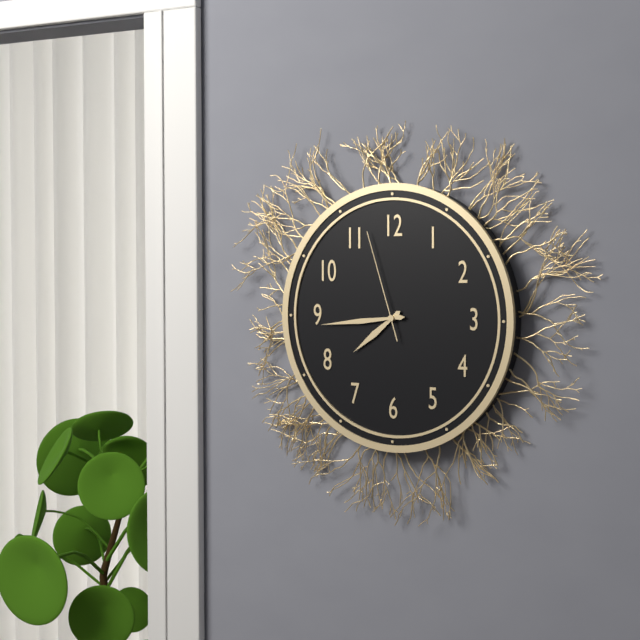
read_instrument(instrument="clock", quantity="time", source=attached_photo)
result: 7:44:57
